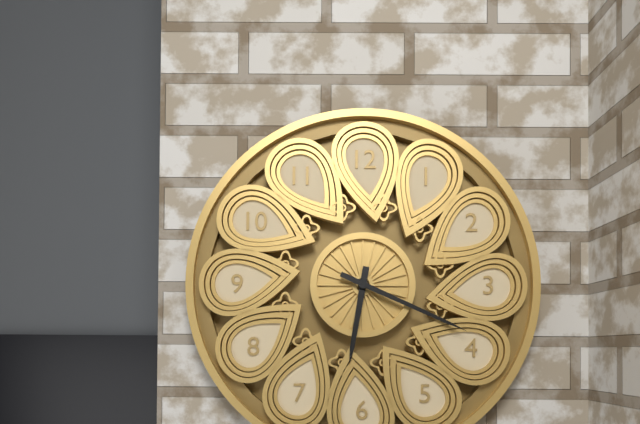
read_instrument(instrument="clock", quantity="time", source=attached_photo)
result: 6:19
